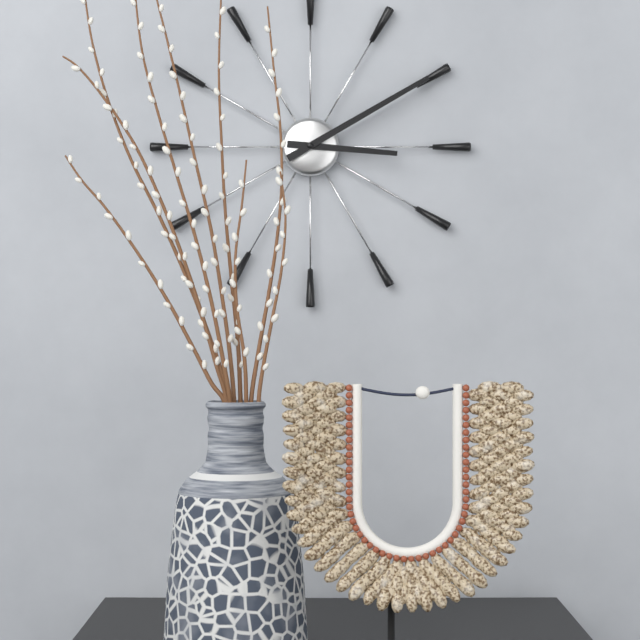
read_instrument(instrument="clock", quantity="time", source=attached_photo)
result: 3:10
